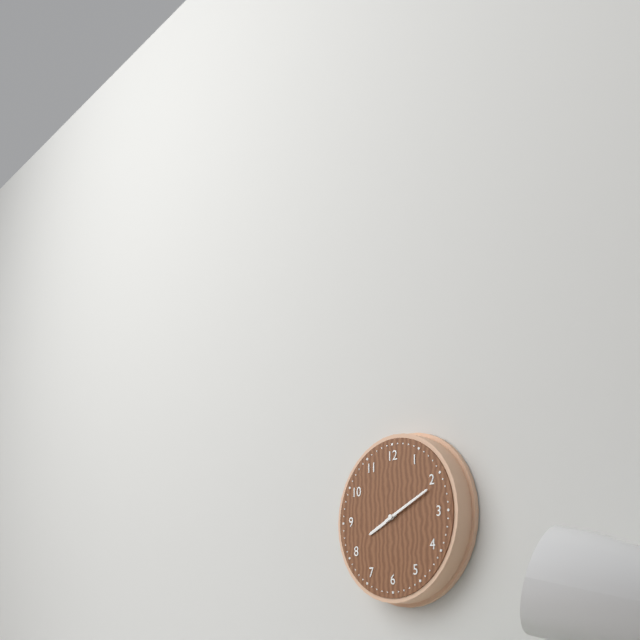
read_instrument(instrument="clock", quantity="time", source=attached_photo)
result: 8:11
